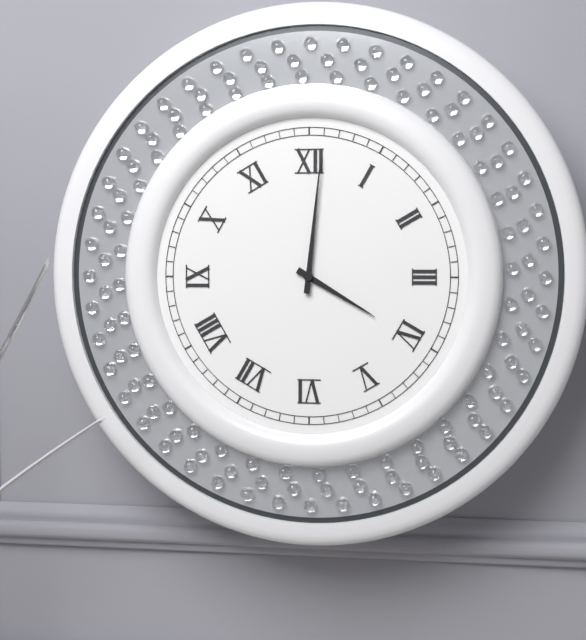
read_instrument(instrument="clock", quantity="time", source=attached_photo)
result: 4:01
